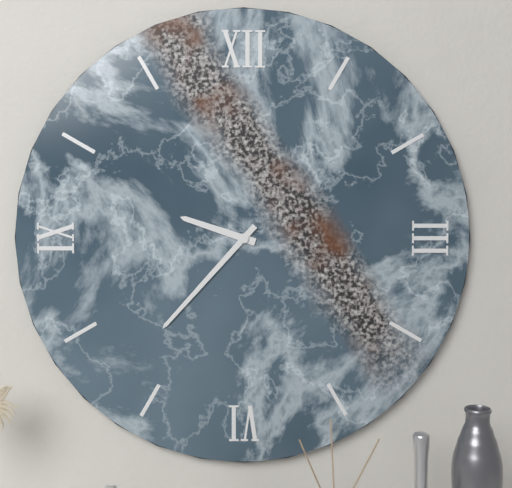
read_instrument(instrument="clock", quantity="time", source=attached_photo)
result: 9:37
